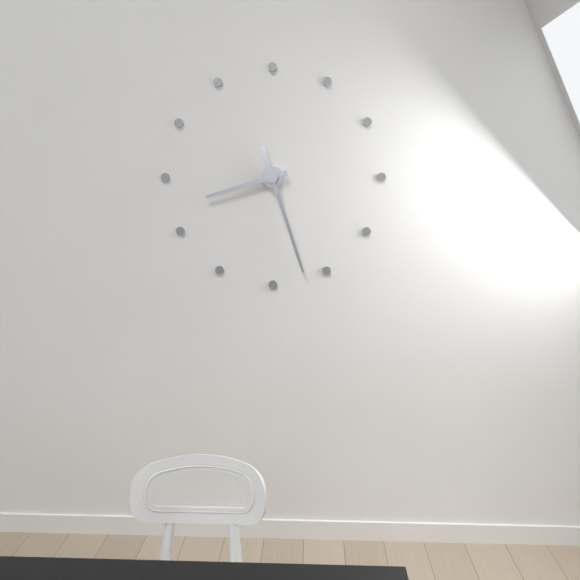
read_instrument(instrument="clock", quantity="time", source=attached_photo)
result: 8:27
